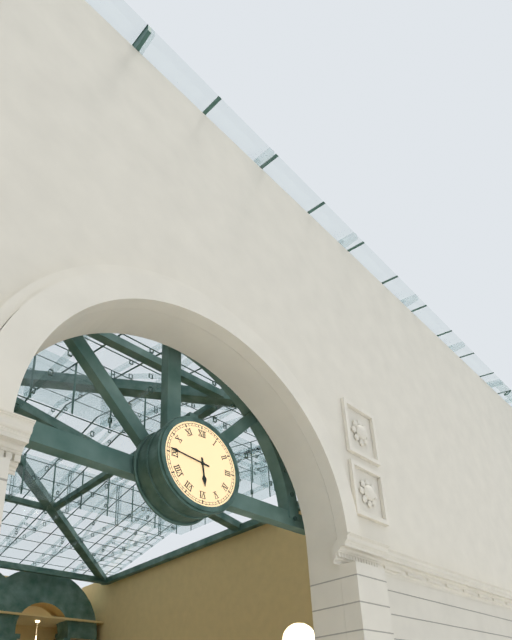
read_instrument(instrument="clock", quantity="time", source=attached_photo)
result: 5:46
